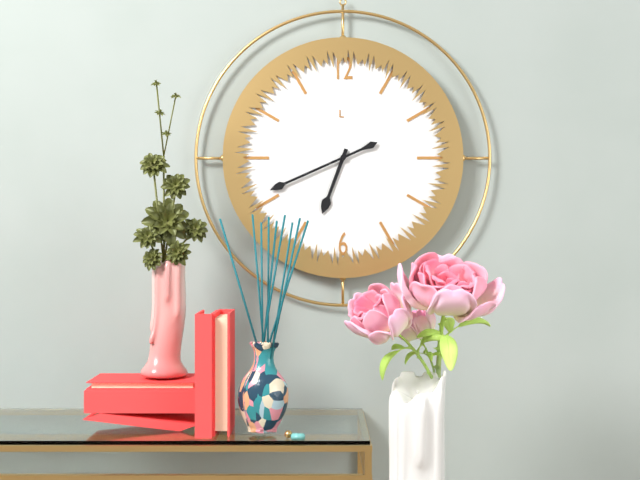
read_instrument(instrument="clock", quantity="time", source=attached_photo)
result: 6:41
